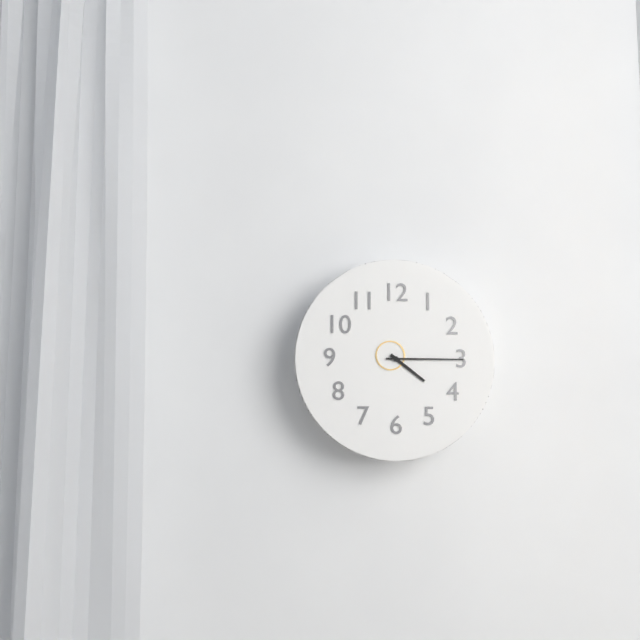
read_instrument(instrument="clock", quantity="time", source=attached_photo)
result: 4:15
